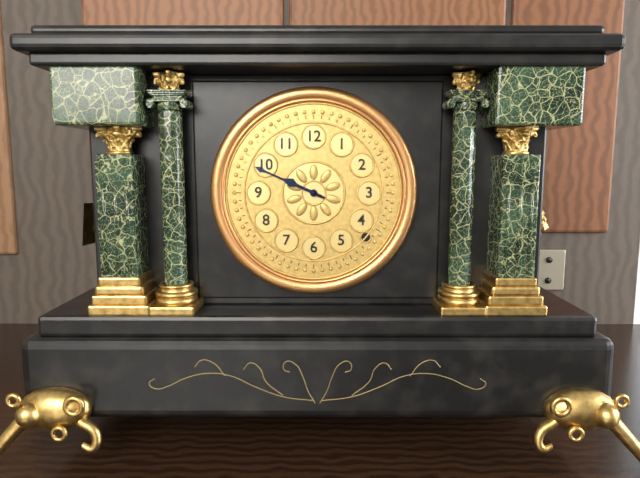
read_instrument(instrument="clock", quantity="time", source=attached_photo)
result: 9:49
